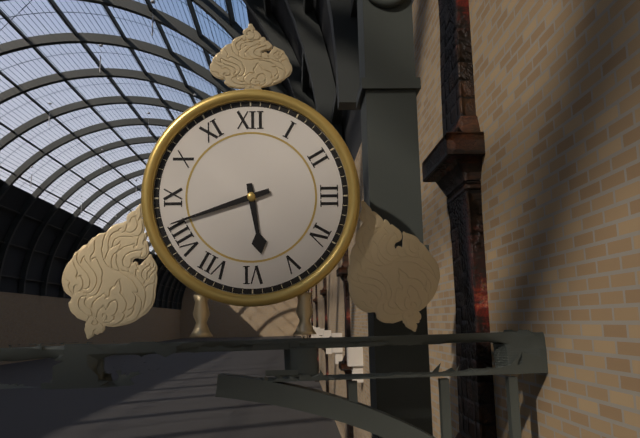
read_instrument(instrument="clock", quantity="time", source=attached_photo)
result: 5:42
